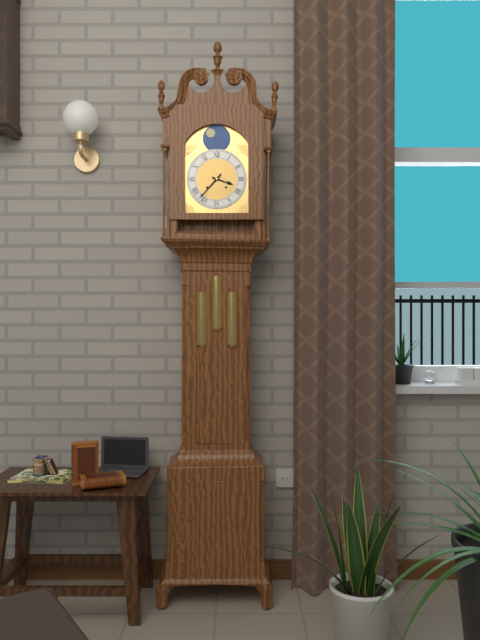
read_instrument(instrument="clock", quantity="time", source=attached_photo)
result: 3:37
